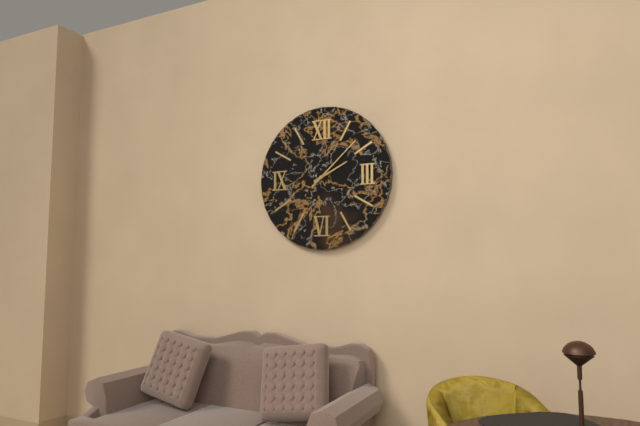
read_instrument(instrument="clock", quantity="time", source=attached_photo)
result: 2:08
